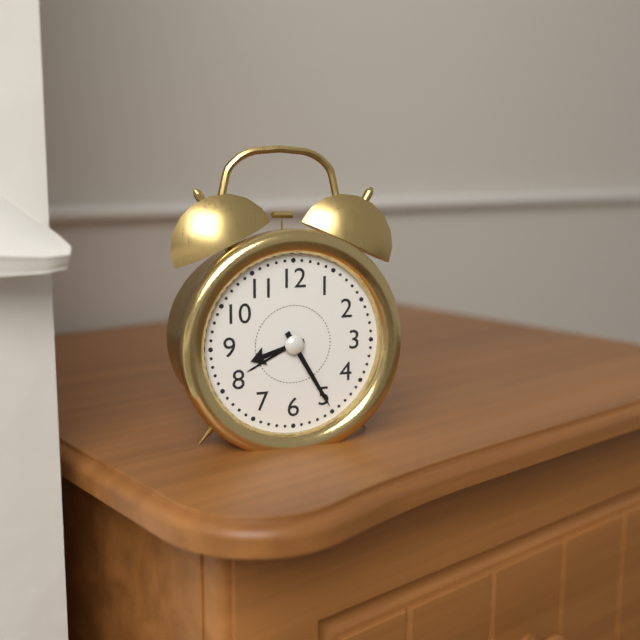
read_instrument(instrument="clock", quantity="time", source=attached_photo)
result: 8:25
